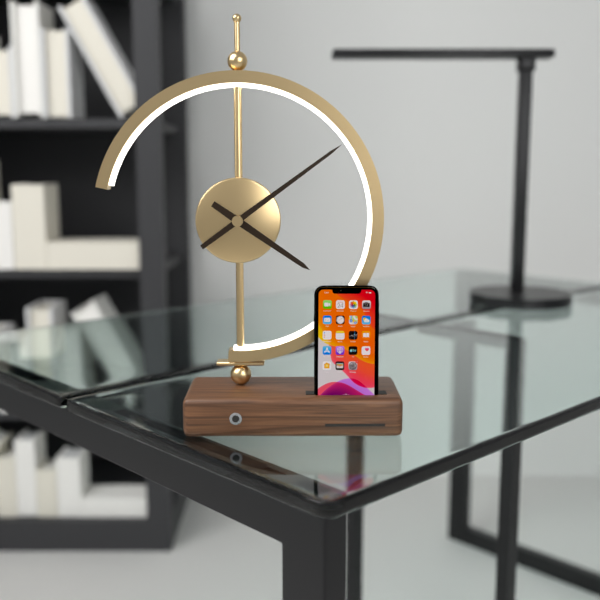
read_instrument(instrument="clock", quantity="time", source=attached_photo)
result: 4:09
